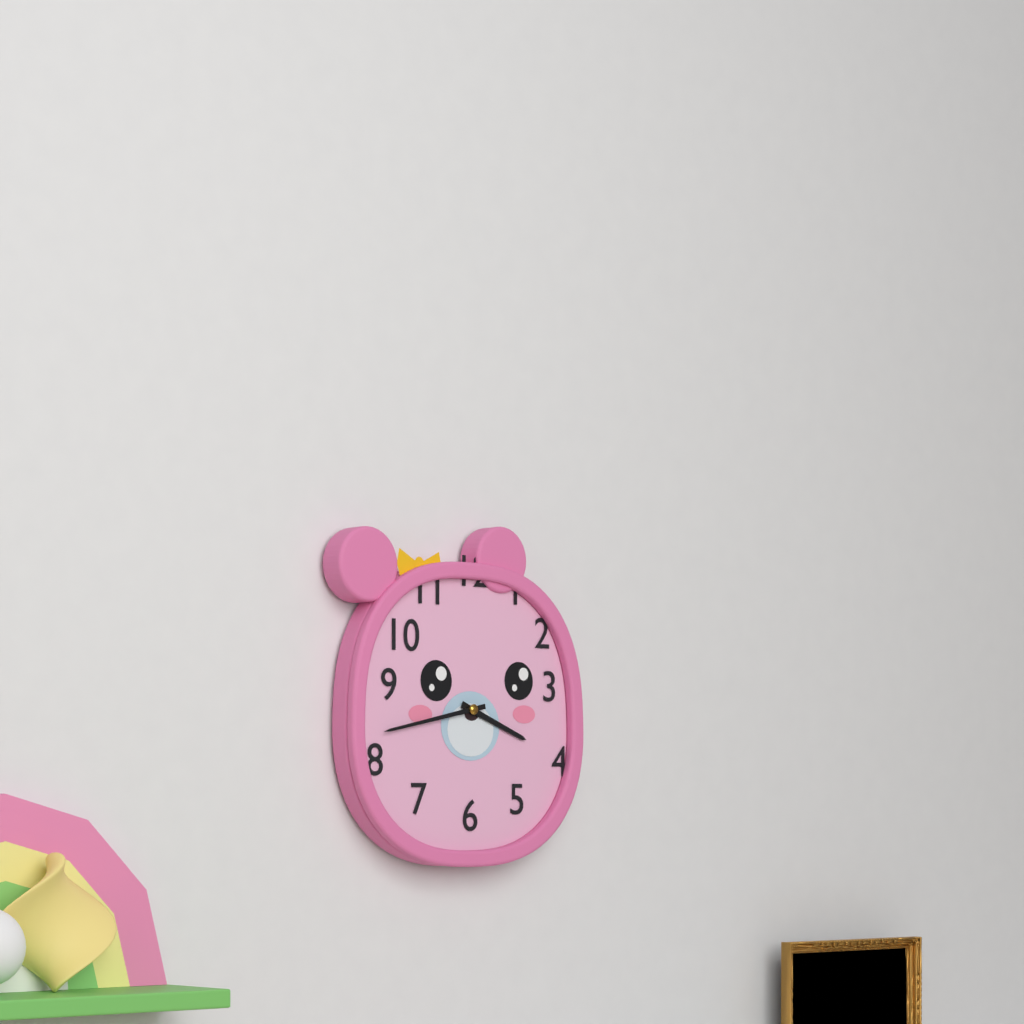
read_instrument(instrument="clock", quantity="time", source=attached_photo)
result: 3:43
